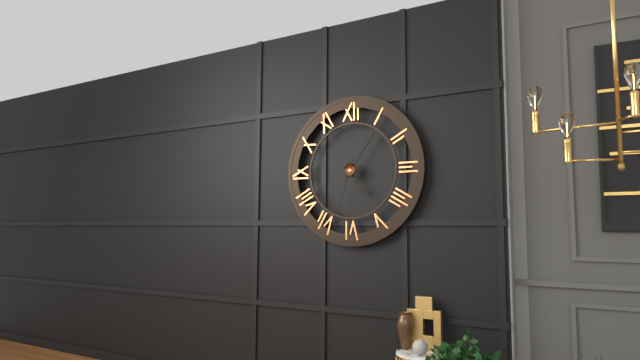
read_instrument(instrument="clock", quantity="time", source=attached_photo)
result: 5:06:33
